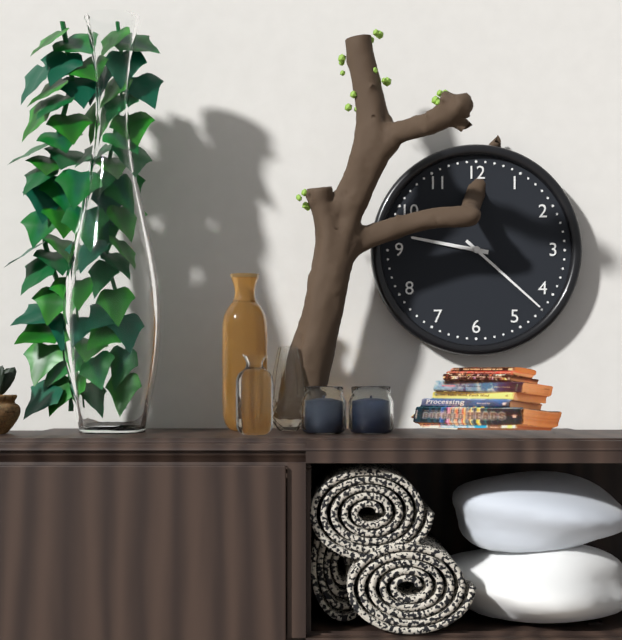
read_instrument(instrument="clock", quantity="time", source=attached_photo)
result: 9:22
